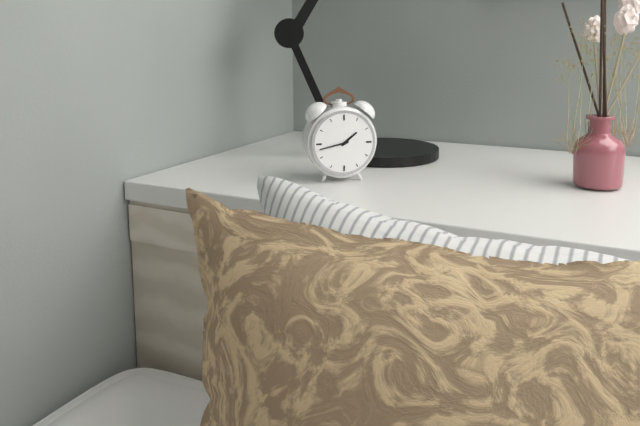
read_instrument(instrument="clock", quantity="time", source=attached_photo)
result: 1:43
